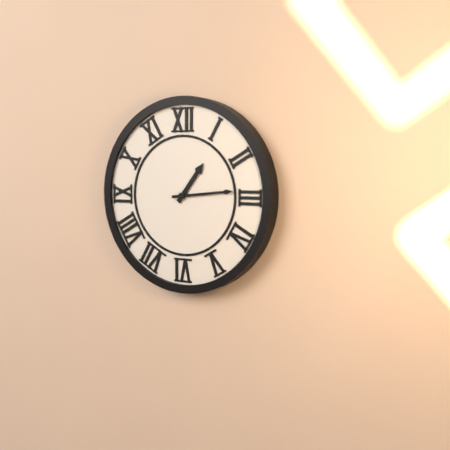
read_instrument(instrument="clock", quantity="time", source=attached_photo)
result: 1:14
